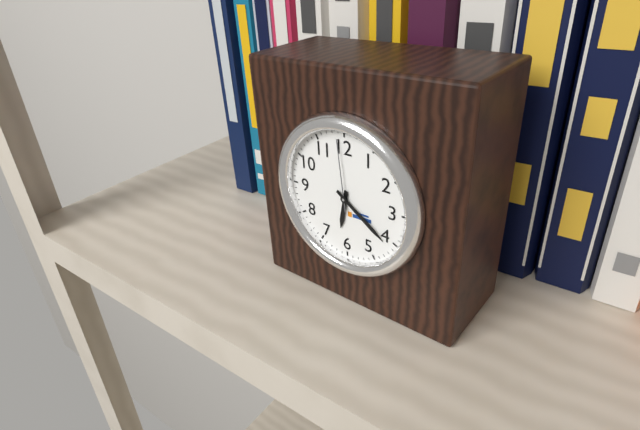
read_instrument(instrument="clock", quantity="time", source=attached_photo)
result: 6:21:59
